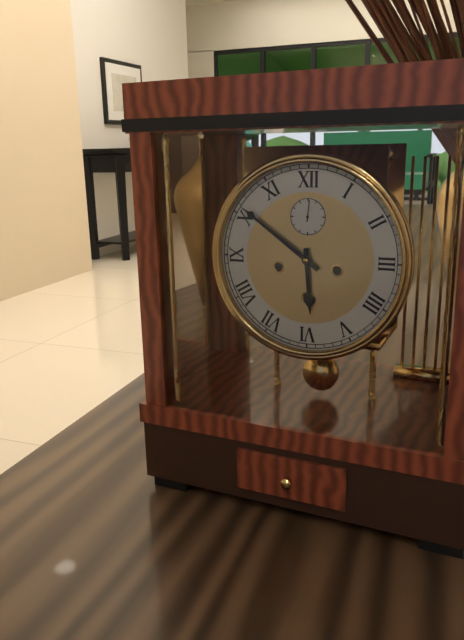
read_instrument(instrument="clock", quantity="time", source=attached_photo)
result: 5:51
